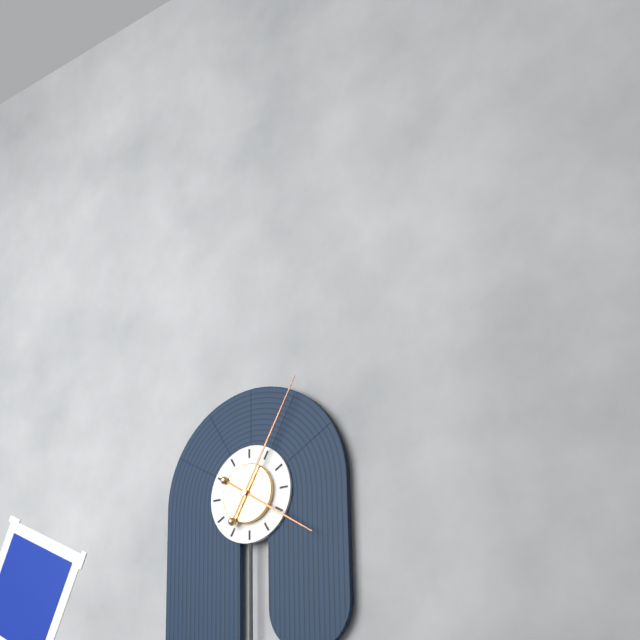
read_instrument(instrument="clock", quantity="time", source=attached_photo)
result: 4:05
